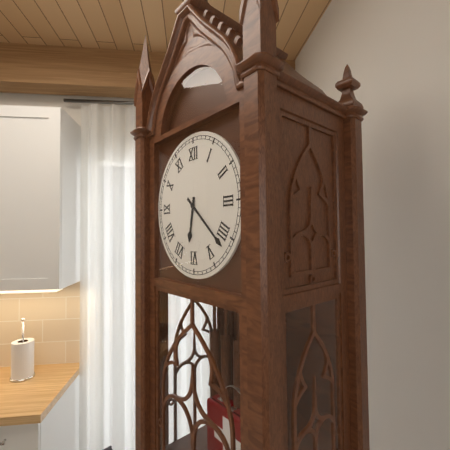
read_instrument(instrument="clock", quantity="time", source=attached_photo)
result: 6:22
